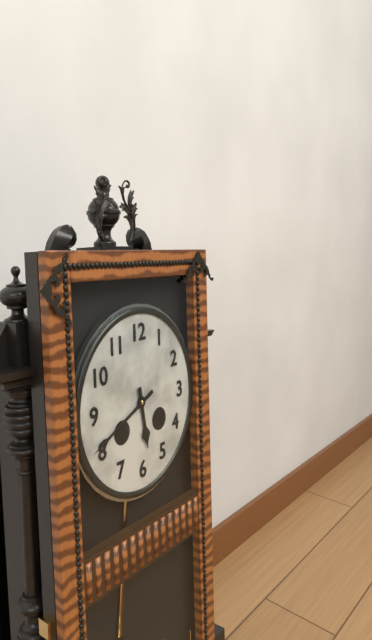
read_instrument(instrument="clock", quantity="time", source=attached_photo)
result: 5:41
